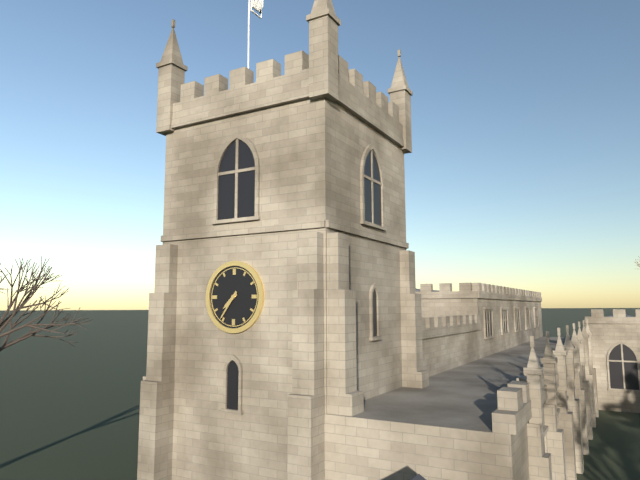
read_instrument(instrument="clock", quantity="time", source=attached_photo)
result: 7:36
